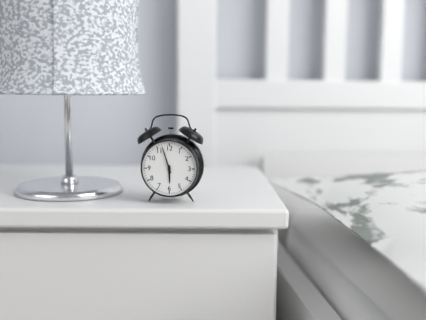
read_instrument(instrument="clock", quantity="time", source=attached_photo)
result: 5:57
